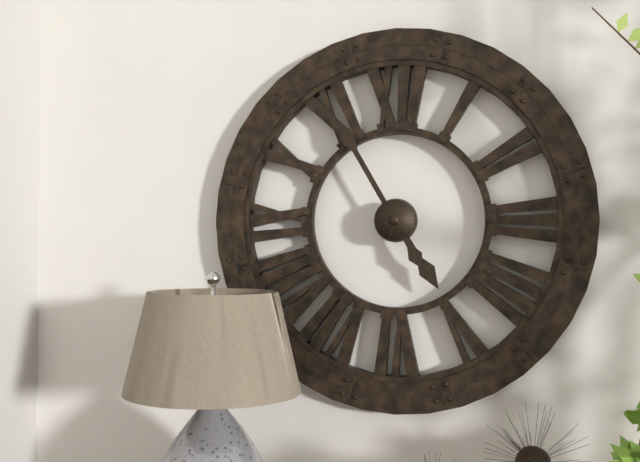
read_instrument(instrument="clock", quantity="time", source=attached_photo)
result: 4:55
